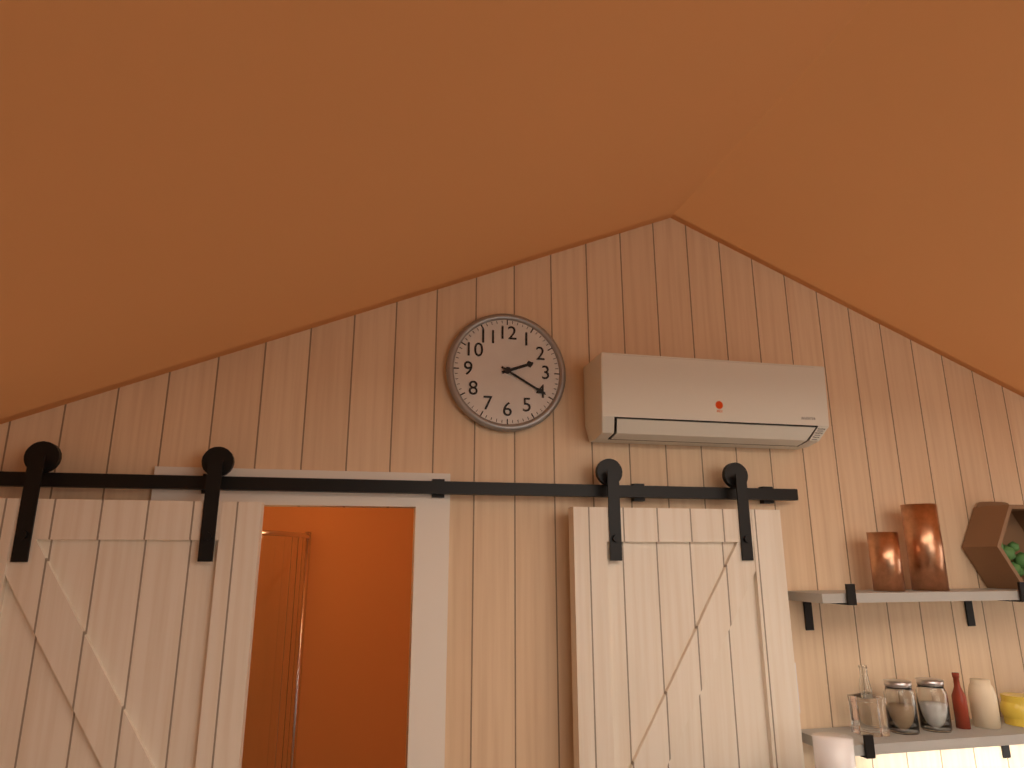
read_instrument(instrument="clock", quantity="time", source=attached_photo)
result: 2:20
